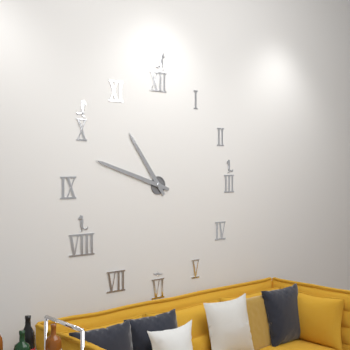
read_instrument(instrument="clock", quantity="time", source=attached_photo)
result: 10:48
